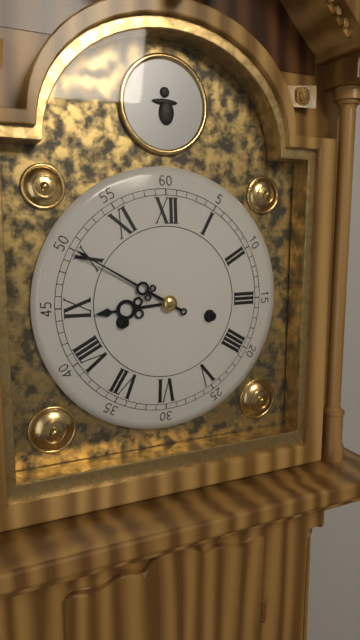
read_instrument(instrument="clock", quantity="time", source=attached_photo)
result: 8:50
